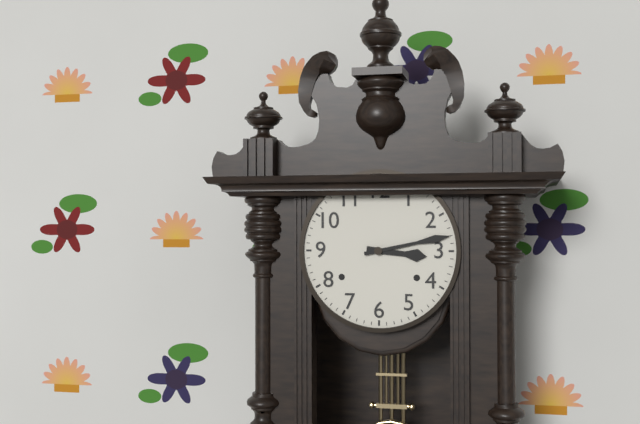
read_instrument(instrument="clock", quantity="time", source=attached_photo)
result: 3:13
